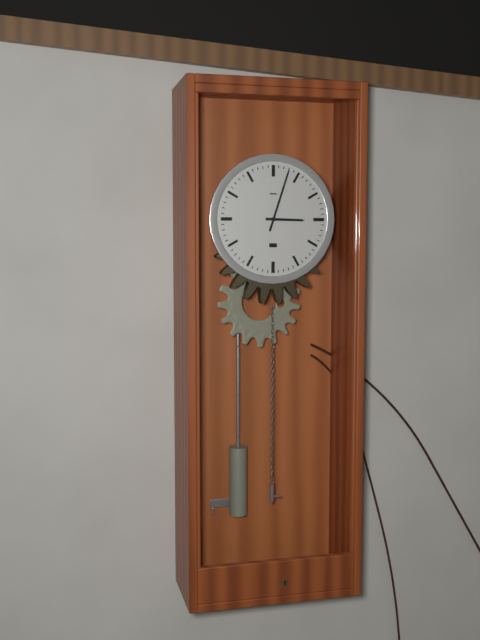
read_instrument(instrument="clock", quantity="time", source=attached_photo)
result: 3:03
